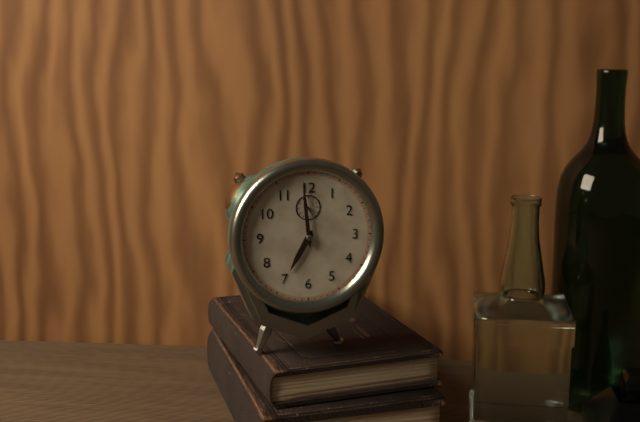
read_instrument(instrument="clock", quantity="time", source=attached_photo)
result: 6:59
